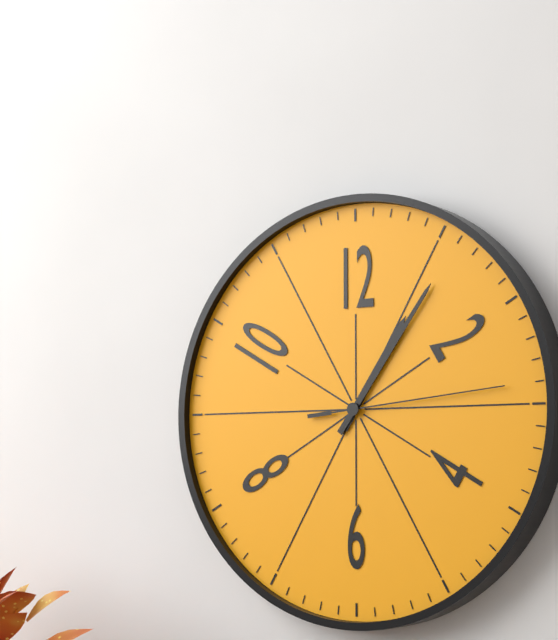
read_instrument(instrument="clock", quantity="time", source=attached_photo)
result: 1:06:14
